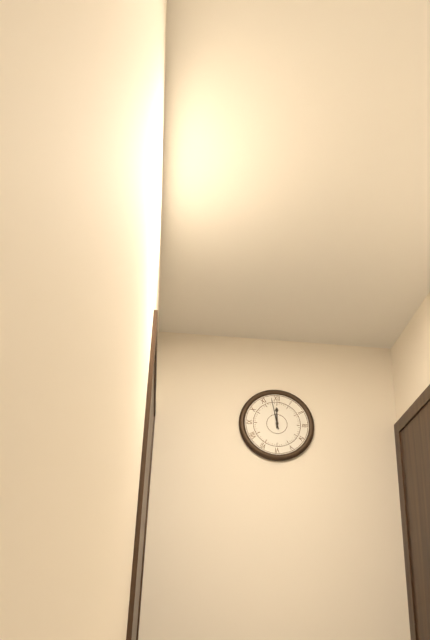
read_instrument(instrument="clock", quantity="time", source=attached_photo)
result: 11:58
